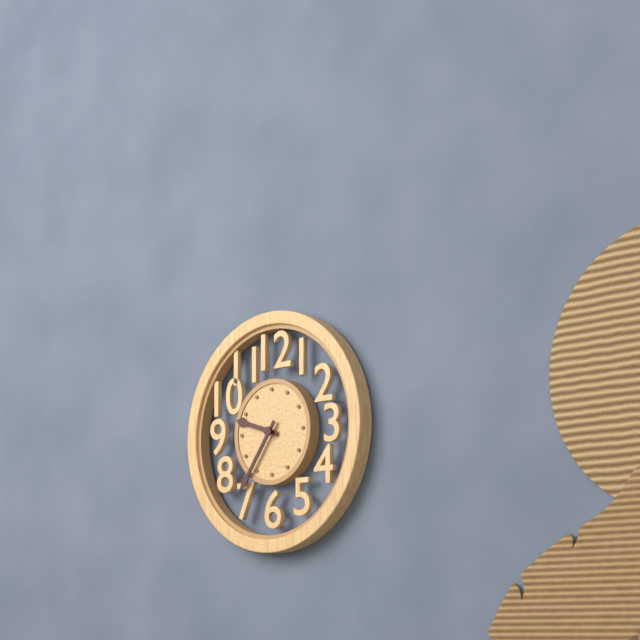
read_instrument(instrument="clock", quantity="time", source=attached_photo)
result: 9:36
